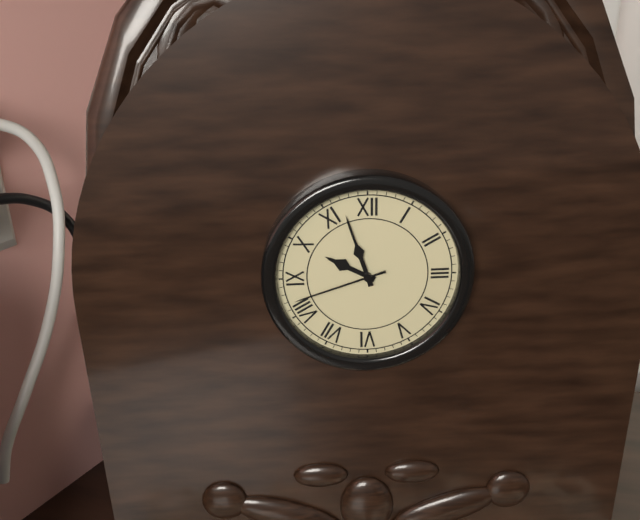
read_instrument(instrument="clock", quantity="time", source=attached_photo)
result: 9:57:42
